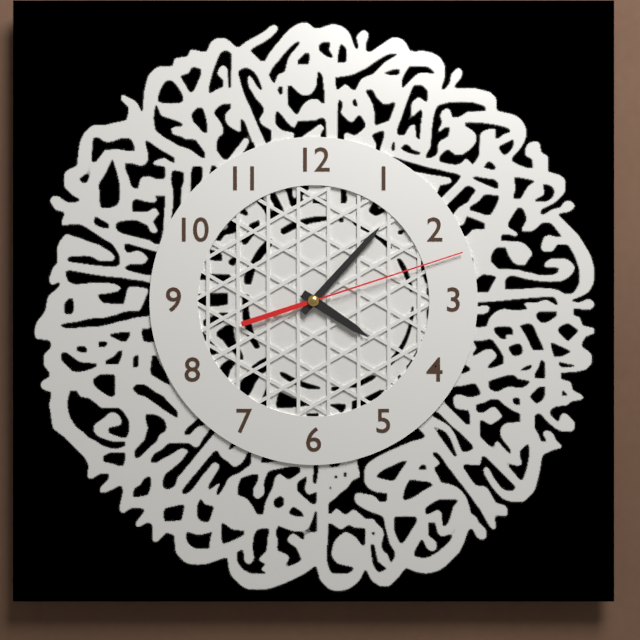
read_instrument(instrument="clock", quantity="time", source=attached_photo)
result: 4:07:12
